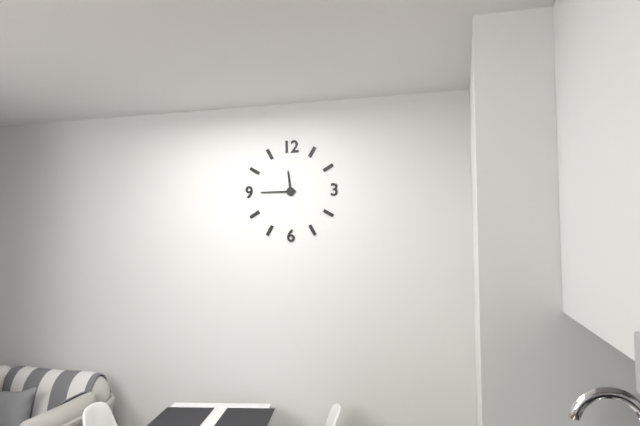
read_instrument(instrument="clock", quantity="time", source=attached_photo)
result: 11:45
